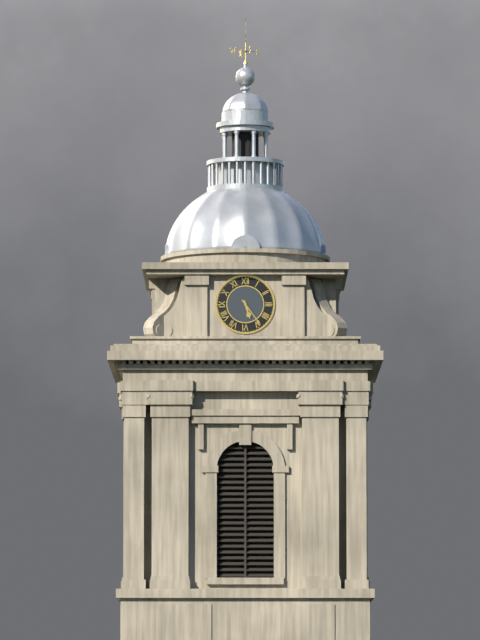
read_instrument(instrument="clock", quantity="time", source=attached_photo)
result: 5:24
